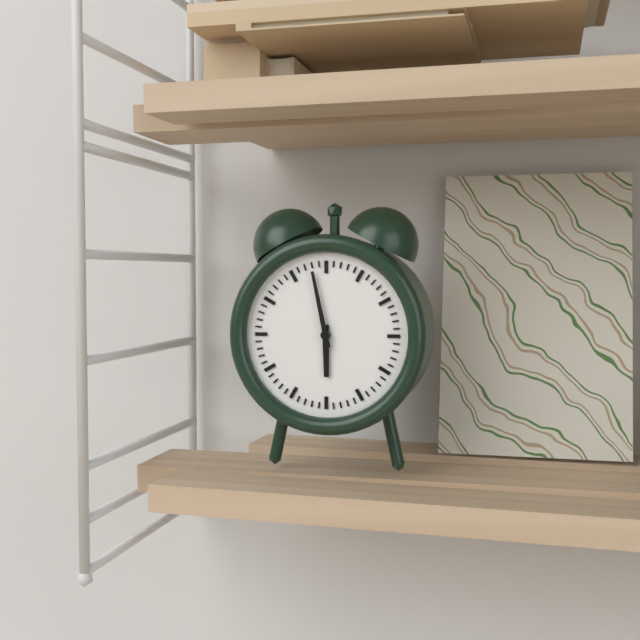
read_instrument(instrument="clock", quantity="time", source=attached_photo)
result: 5:58
